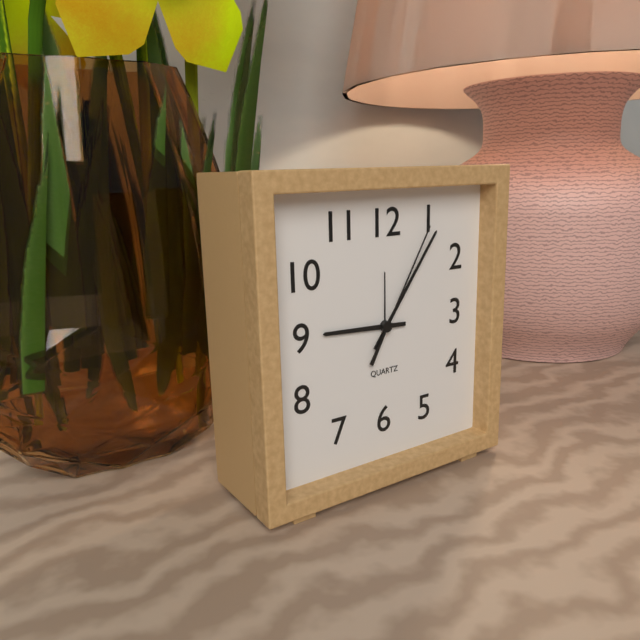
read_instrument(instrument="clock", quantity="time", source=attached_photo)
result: 9:06:05
